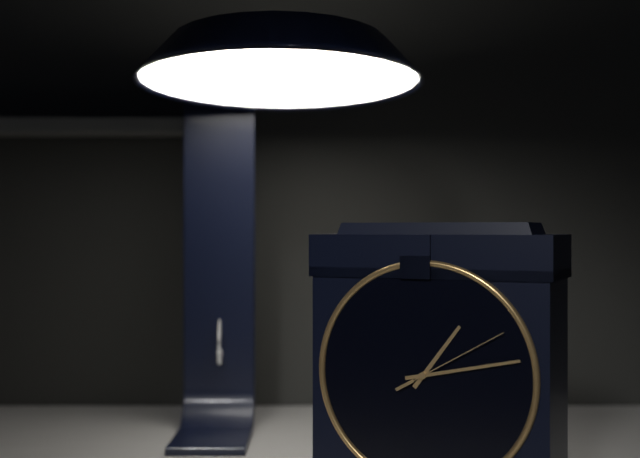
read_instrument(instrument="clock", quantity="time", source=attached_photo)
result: 1:13:10
